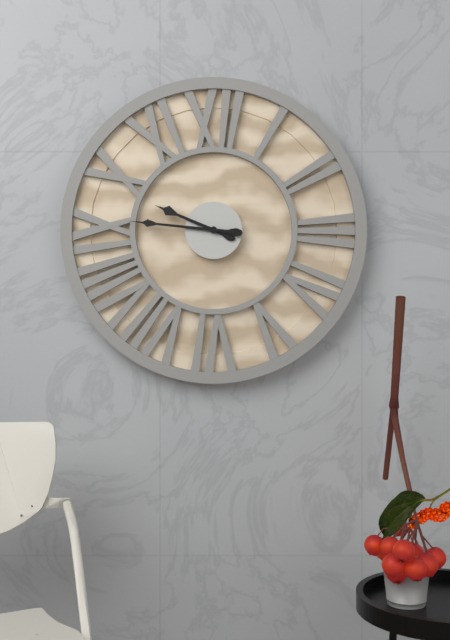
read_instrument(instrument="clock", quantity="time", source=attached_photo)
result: 9:46
